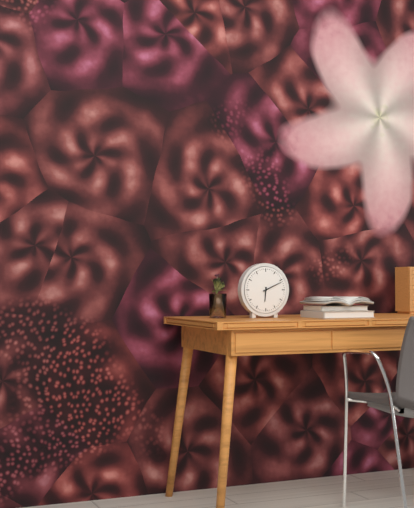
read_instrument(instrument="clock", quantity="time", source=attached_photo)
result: 6:11
